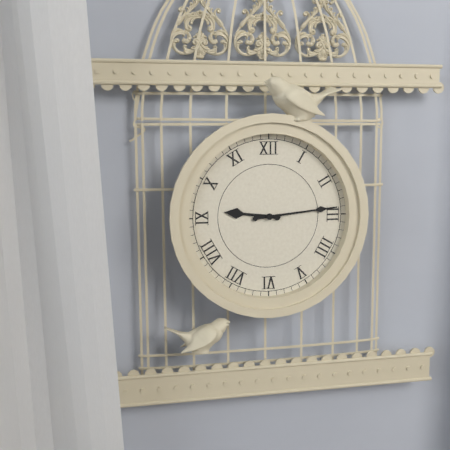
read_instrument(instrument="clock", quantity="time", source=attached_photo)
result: 9:14
